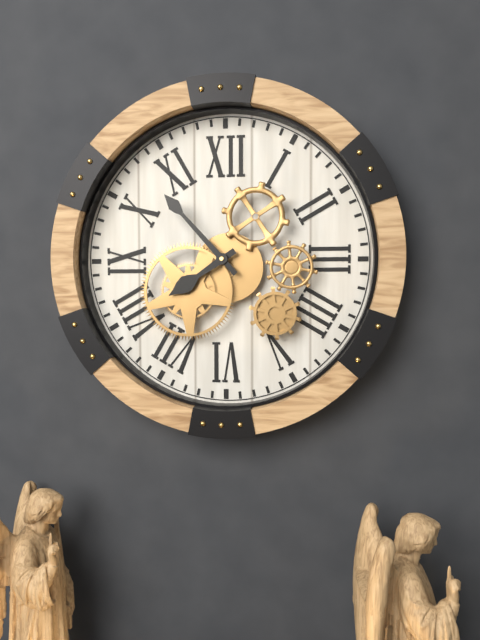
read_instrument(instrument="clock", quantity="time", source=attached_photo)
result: 7:53
